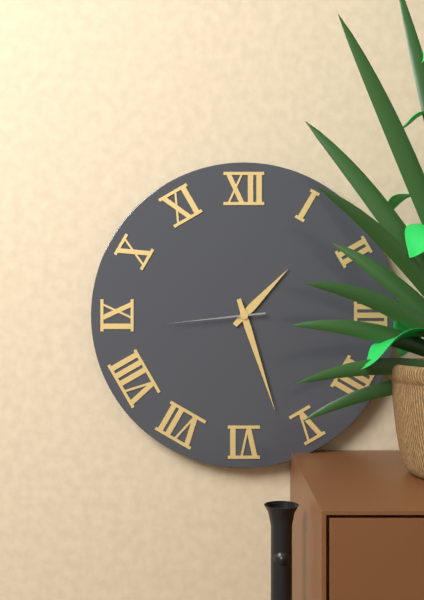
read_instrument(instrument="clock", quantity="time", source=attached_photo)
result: 1:27:44
